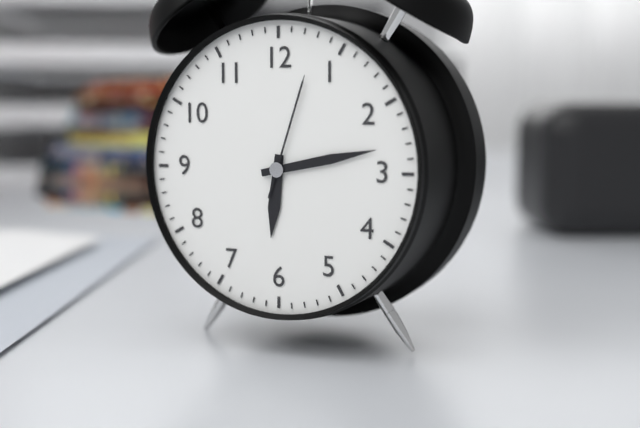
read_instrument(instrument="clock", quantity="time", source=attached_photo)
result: 6:13:03
